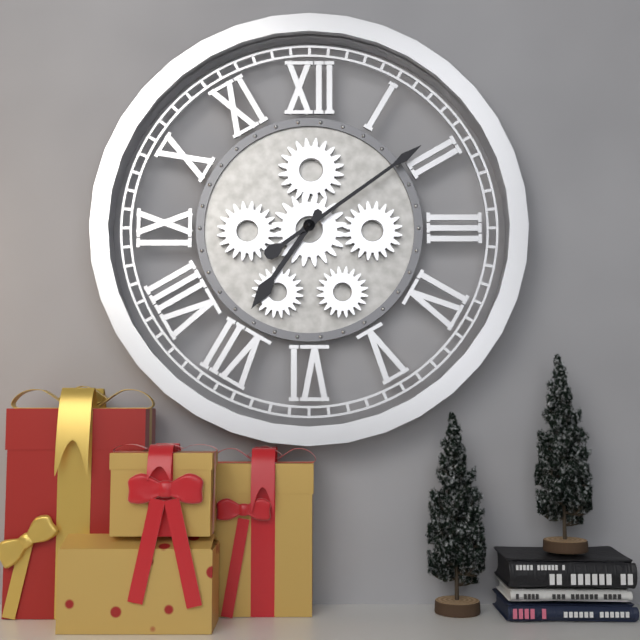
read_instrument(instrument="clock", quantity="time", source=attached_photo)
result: 7:09
